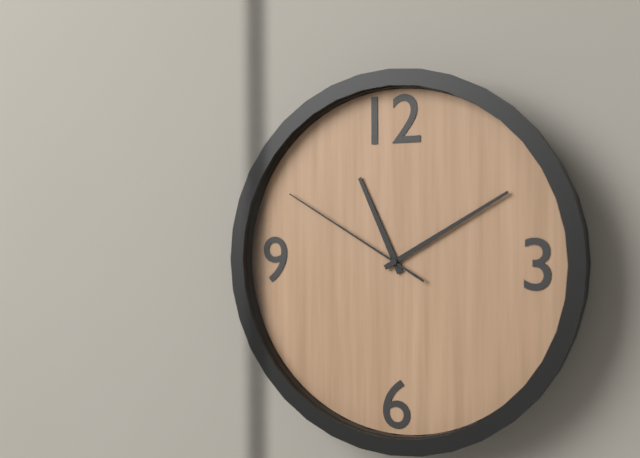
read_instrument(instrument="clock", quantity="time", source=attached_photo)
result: 11:10:50
